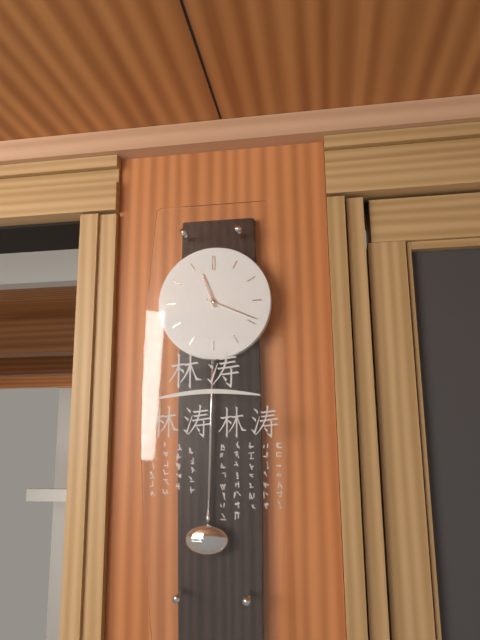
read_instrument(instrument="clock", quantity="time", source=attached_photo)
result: 11:19
